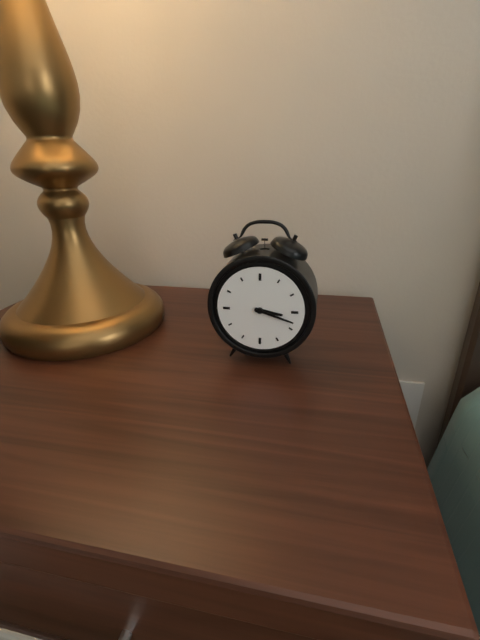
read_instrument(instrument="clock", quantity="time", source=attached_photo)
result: 3:18
